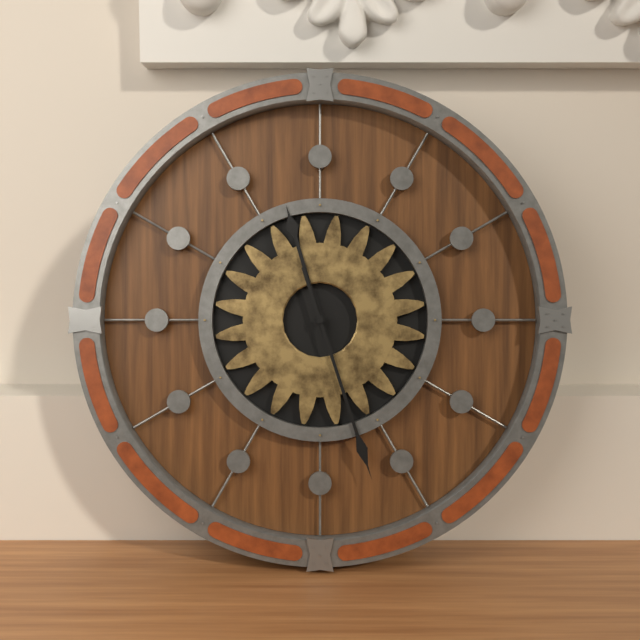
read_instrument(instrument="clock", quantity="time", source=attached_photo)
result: 11:27
